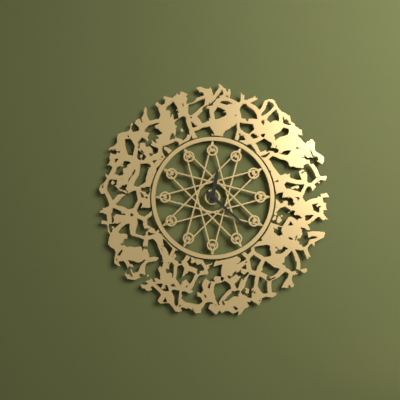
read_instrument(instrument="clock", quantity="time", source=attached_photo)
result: 12:22
